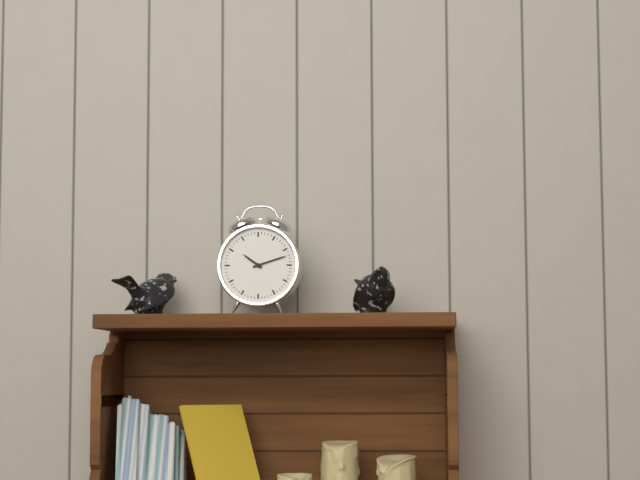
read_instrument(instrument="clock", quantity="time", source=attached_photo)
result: 10:12
